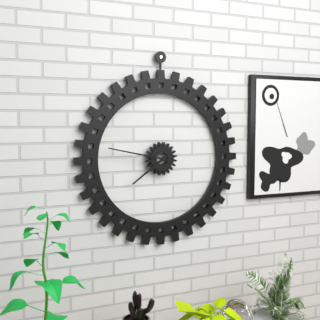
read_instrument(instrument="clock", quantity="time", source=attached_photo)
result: 7:47
